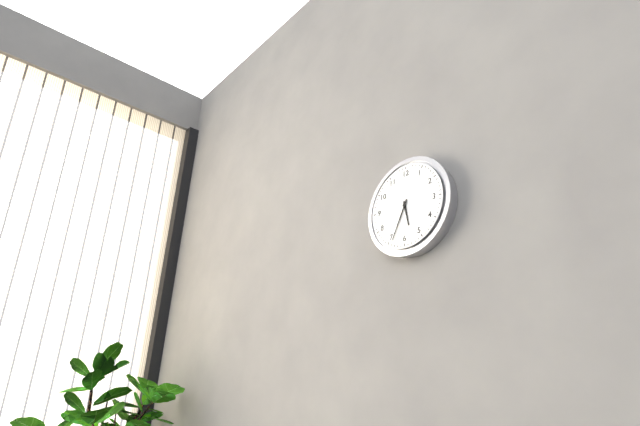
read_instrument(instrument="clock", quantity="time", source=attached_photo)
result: 5:34
